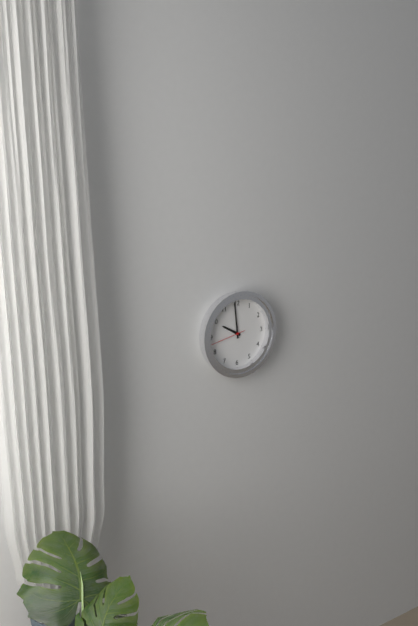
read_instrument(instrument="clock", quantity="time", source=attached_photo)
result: 9:59
